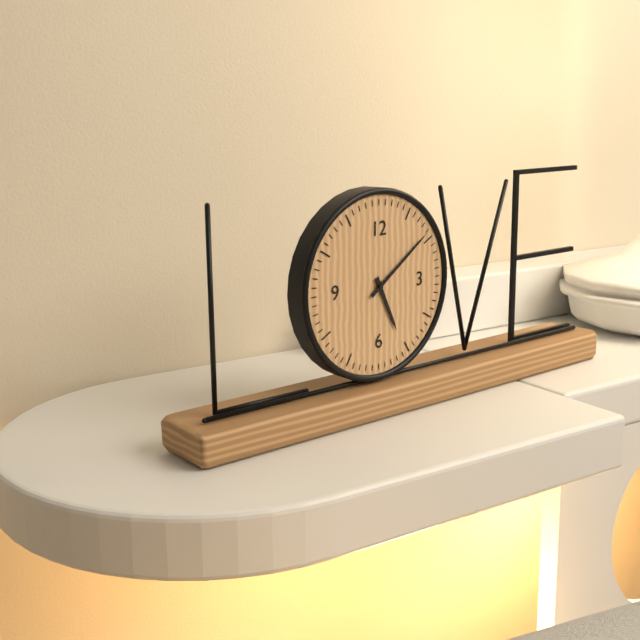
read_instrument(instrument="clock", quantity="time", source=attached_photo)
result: 5:09
